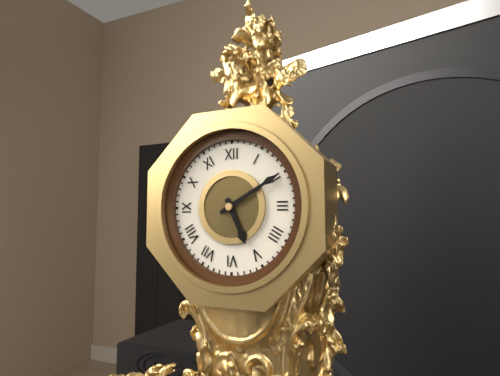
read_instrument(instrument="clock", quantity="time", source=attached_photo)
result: 5:10
